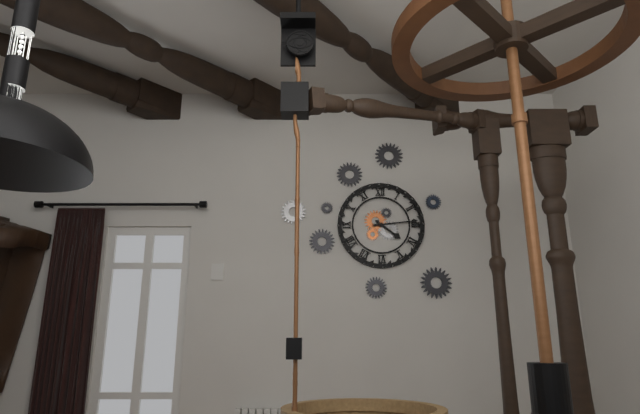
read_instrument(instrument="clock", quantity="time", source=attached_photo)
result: 4:14
